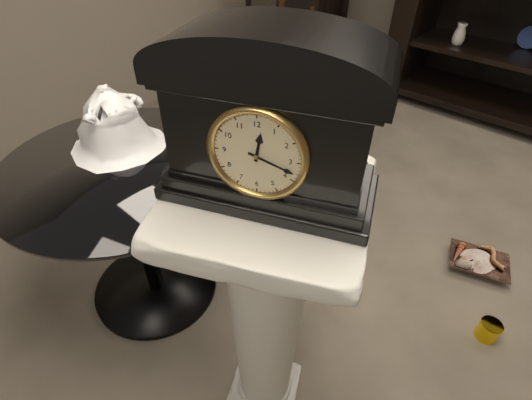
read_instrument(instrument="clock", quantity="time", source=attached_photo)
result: 12:18
